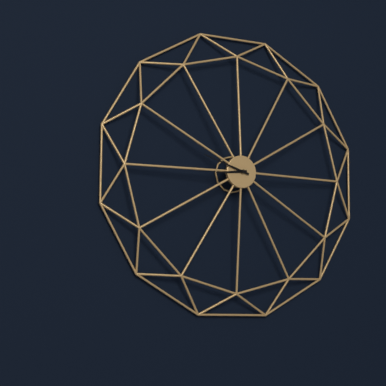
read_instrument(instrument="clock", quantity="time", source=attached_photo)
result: 8:48
